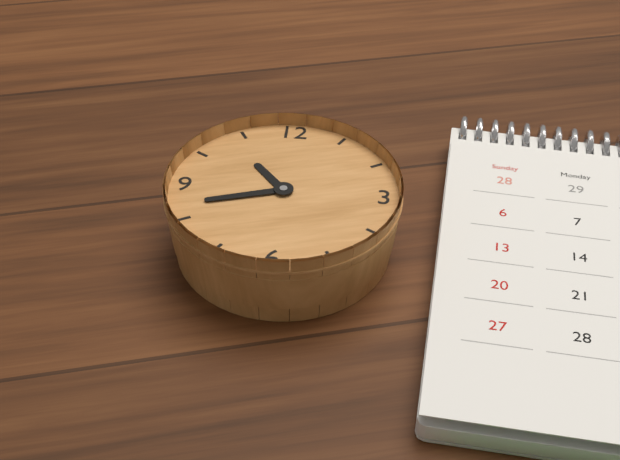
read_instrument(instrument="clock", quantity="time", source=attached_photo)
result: 10:42
